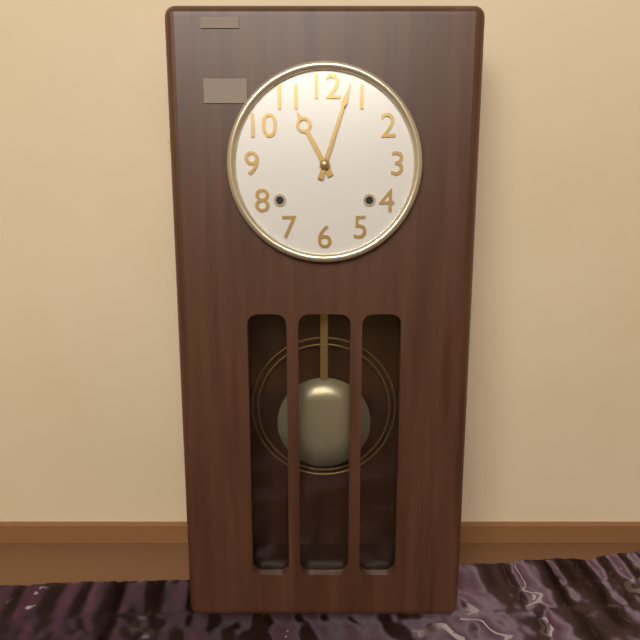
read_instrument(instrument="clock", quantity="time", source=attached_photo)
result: 11:03
